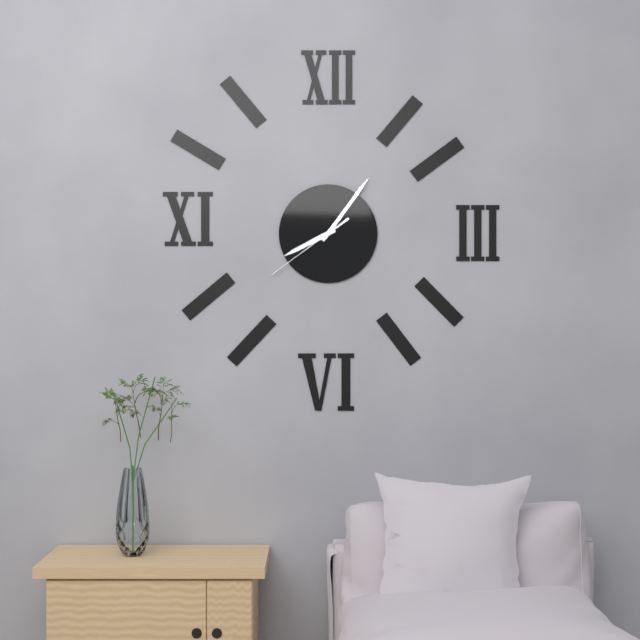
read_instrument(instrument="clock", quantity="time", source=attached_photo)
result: 8:06:39
